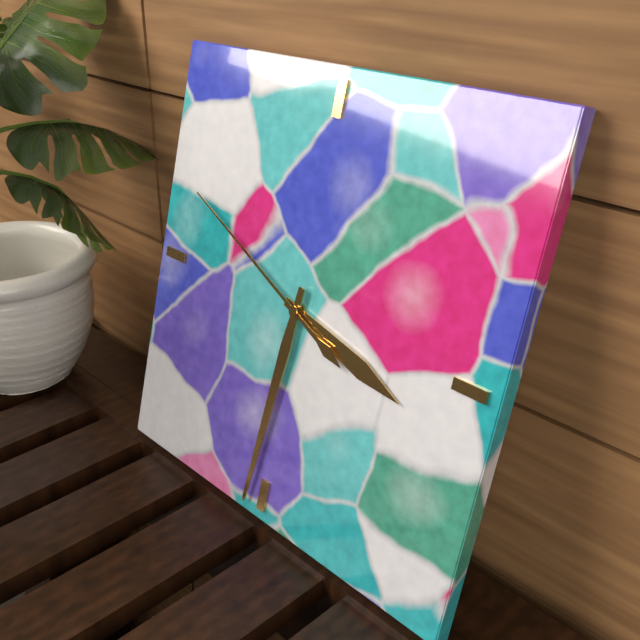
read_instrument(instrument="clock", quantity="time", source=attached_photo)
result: 3:31:49
